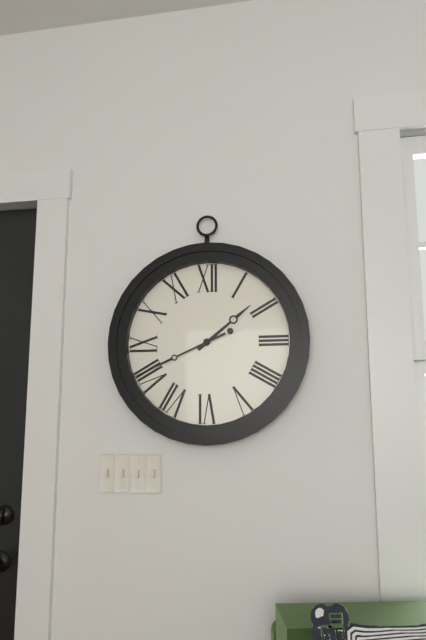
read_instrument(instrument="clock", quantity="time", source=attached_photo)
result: 1:41
